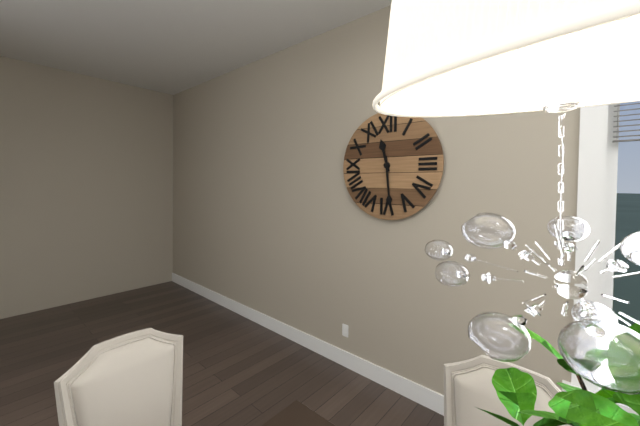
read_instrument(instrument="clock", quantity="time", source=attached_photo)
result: 11:29
